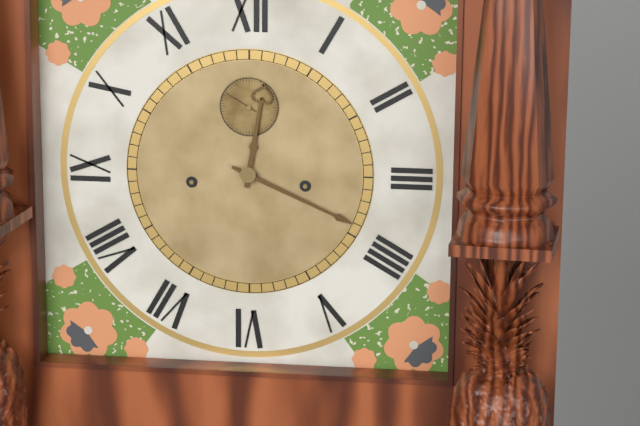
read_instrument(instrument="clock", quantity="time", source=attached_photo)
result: 12:19
